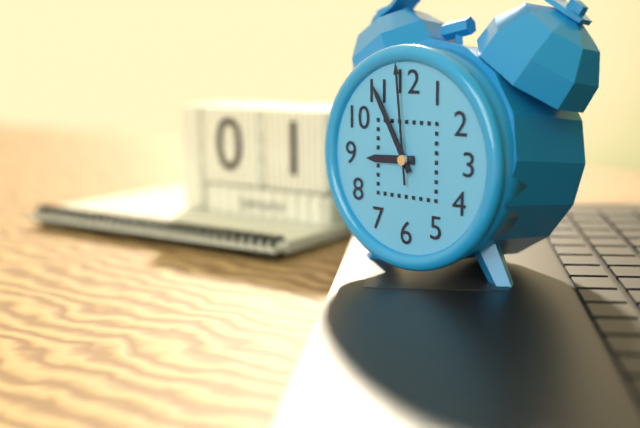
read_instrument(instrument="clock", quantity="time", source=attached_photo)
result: 8:55:59
